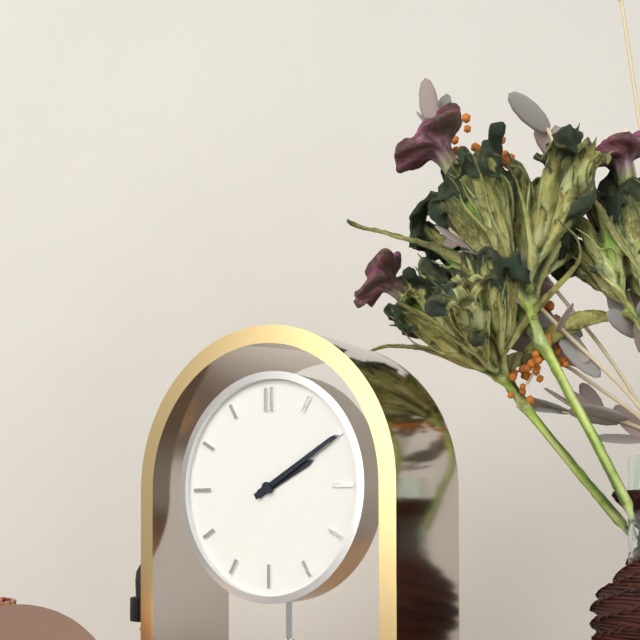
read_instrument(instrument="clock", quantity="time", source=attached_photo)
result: 2:10
